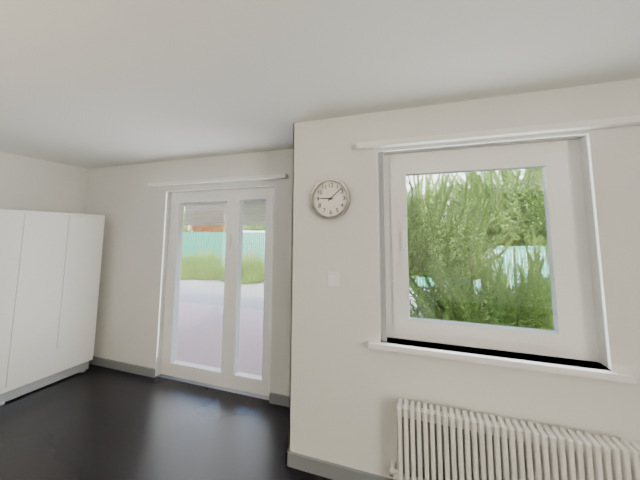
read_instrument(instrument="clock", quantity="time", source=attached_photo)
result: 9:08
